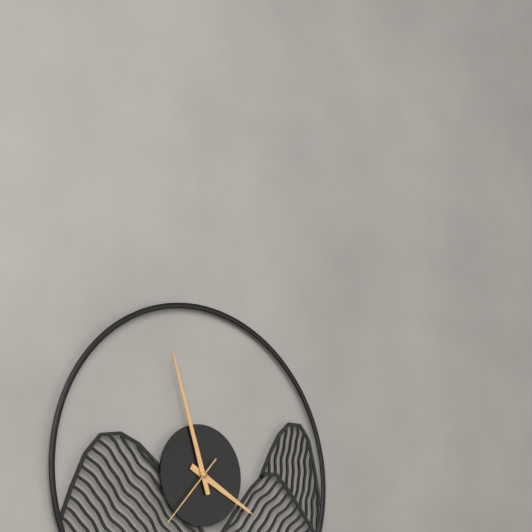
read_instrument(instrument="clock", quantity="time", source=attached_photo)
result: 3:57:37
